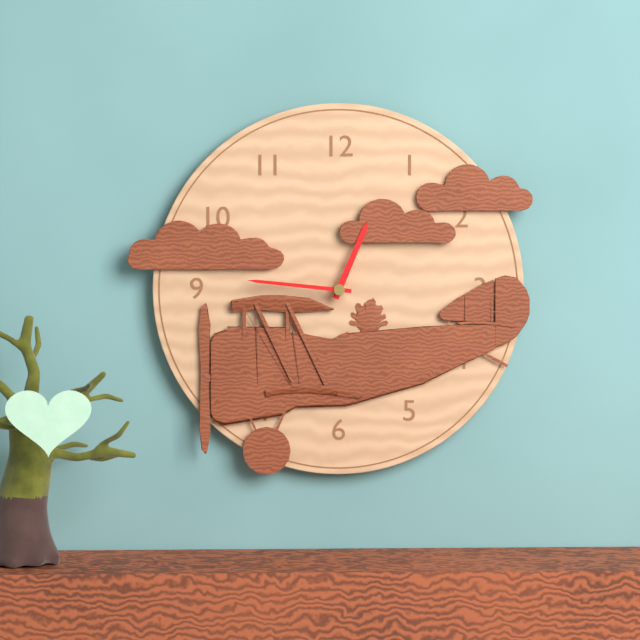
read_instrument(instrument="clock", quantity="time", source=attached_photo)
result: 12:46
